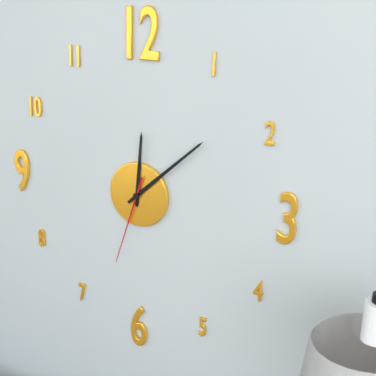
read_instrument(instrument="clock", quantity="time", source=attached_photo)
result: 12:08:33
